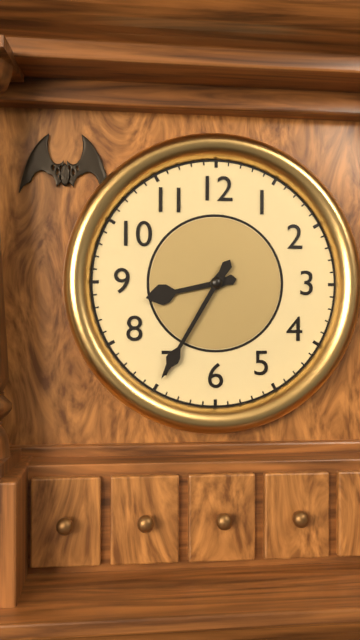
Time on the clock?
8:35
